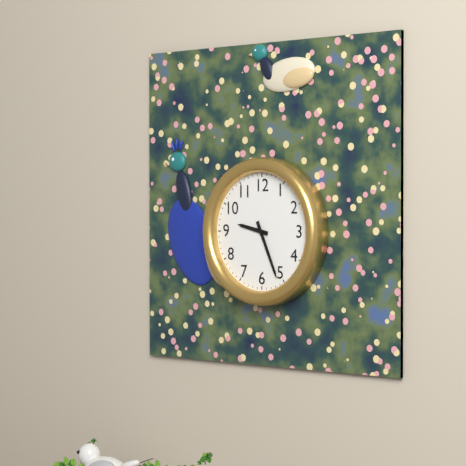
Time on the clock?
9:26
